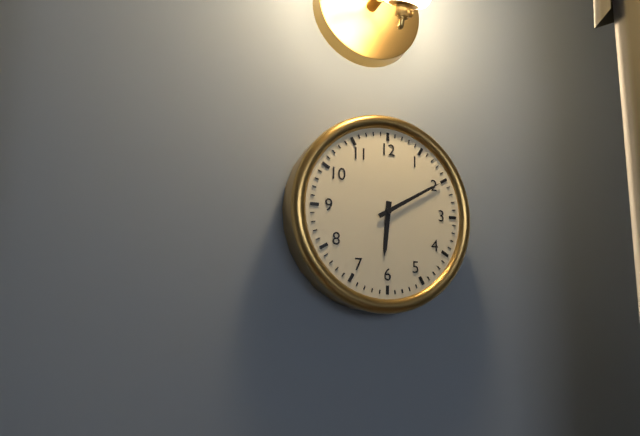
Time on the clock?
6:10
